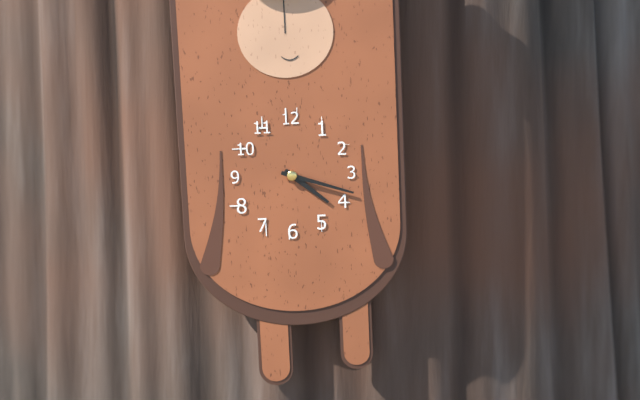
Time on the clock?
4:18
